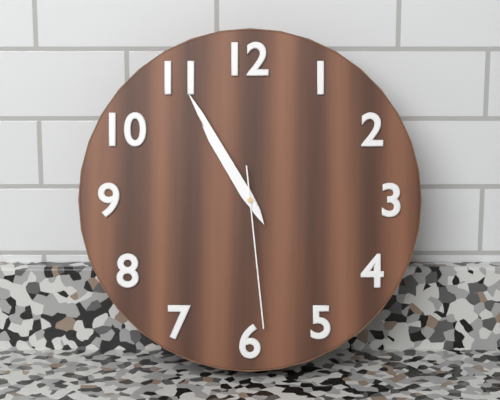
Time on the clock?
10:55:29
